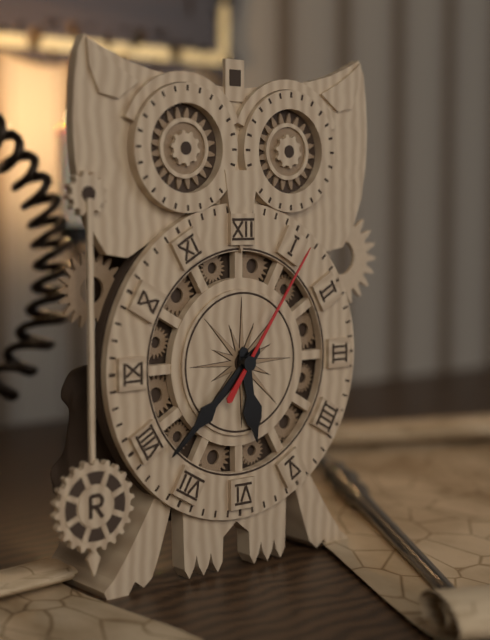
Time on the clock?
5:38:06
